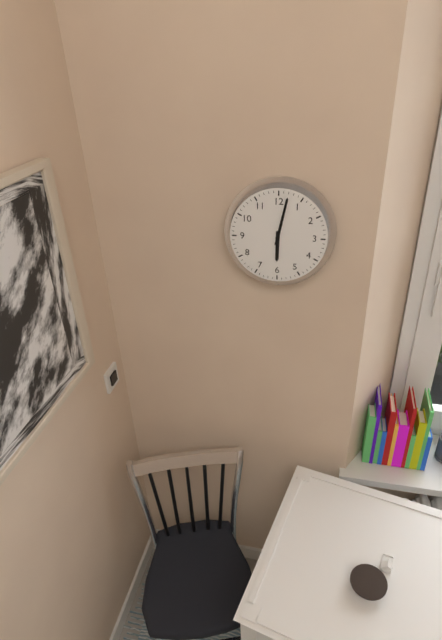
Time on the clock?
6:02
